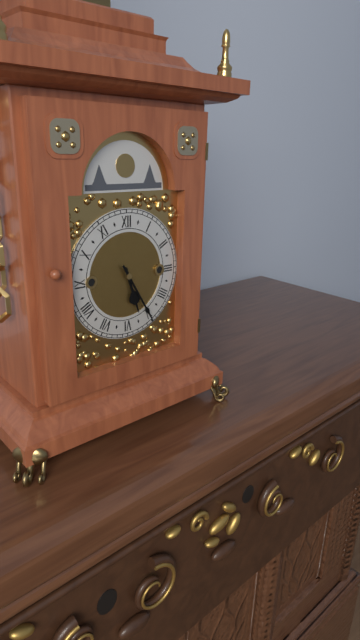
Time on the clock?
5:25
